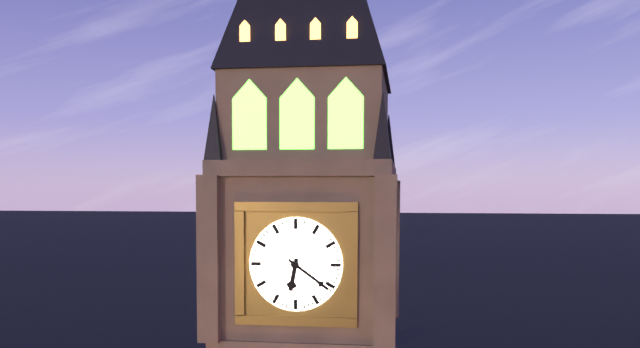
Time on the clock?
6:21
